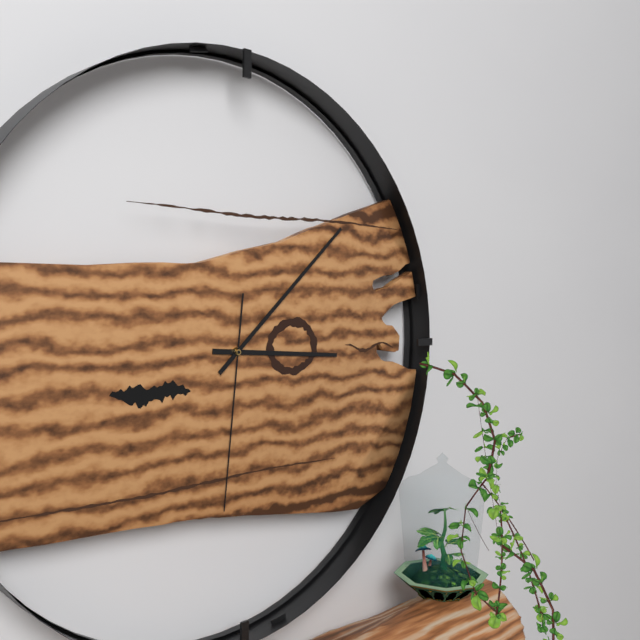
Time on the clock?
3:08:31
